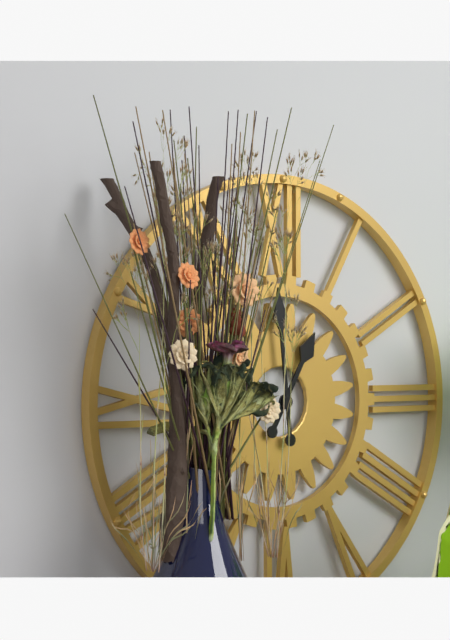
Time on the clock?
12:59
